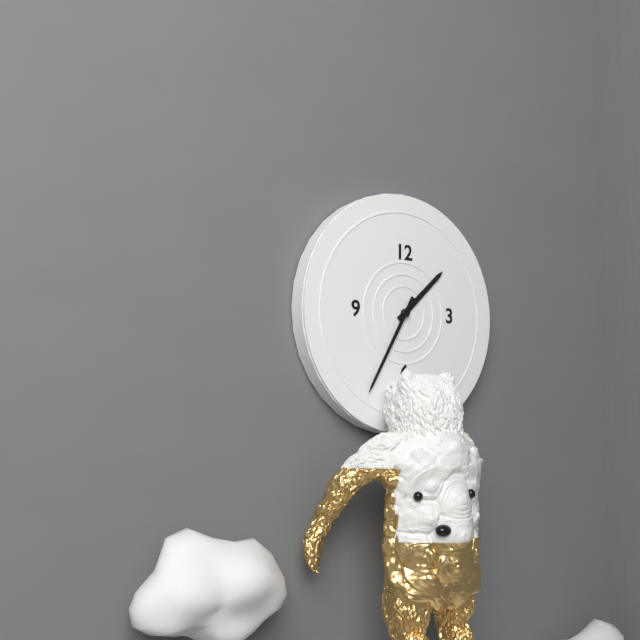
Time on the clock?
1:35
